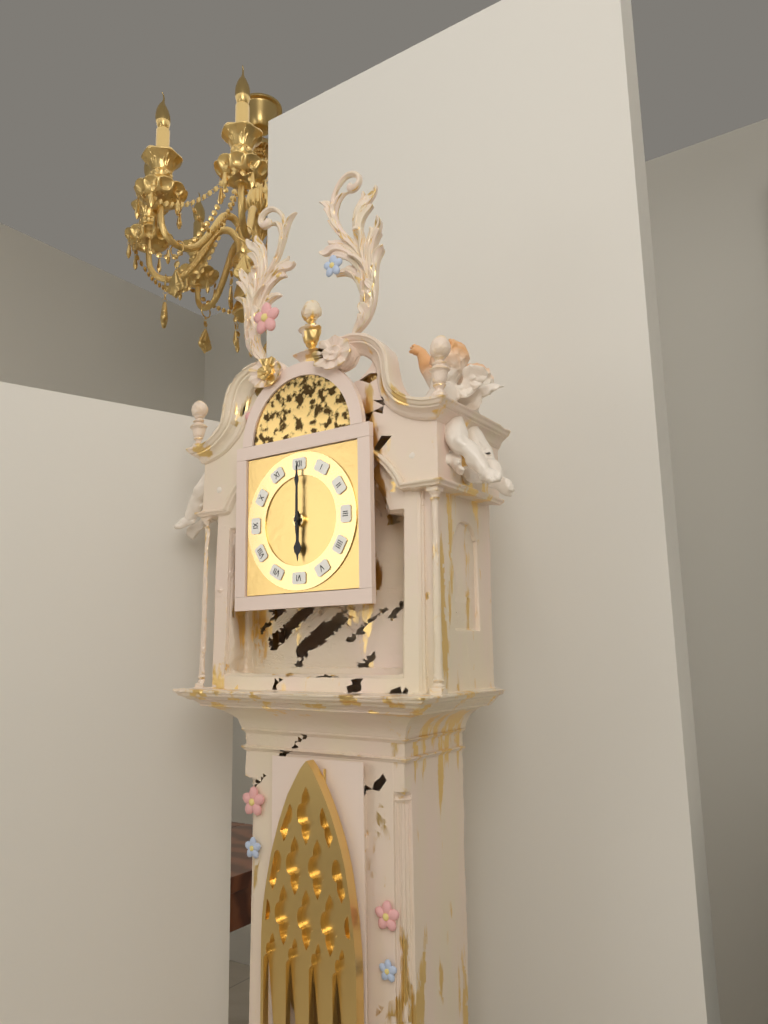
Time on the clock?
6:00
